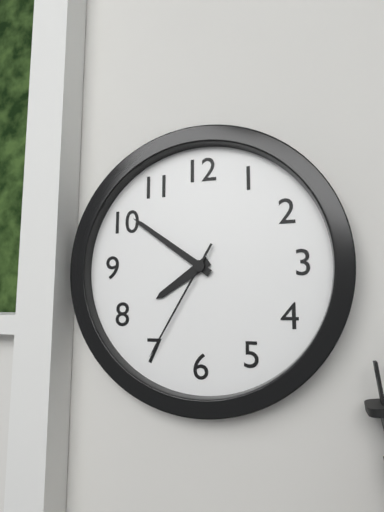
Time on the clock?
7:51:35
